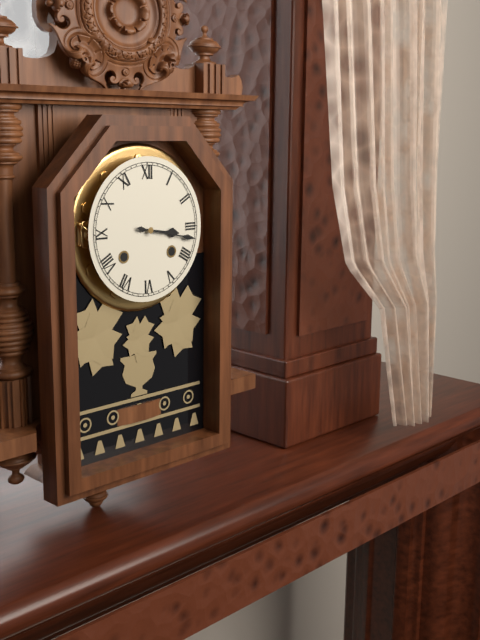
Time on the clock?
3:17
